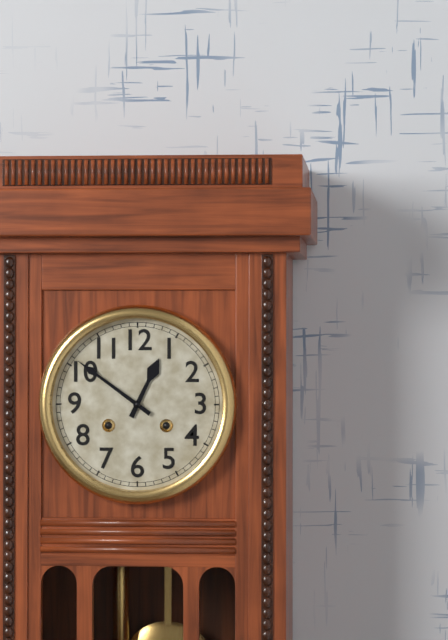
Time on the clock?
12:51
